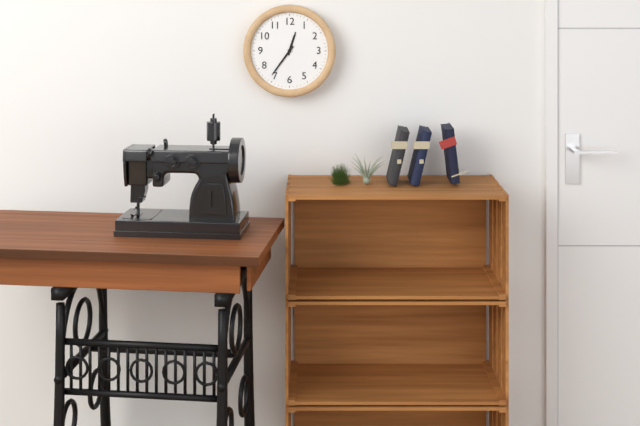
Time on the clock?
12:36
